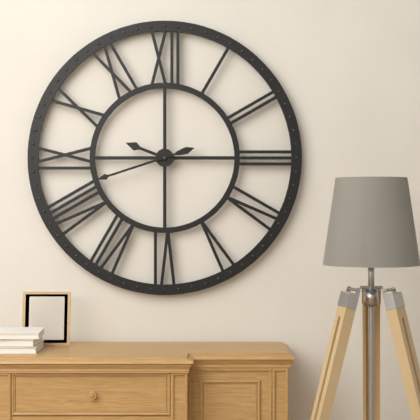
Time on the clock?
9:42
